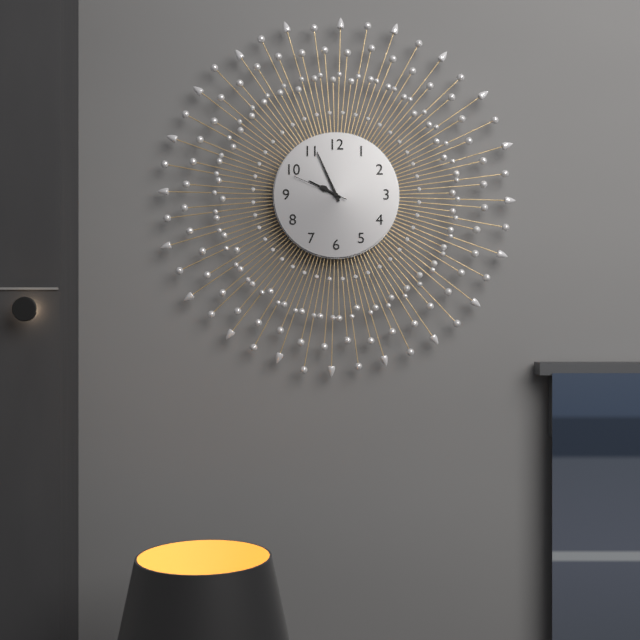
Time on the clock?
9:56:49
